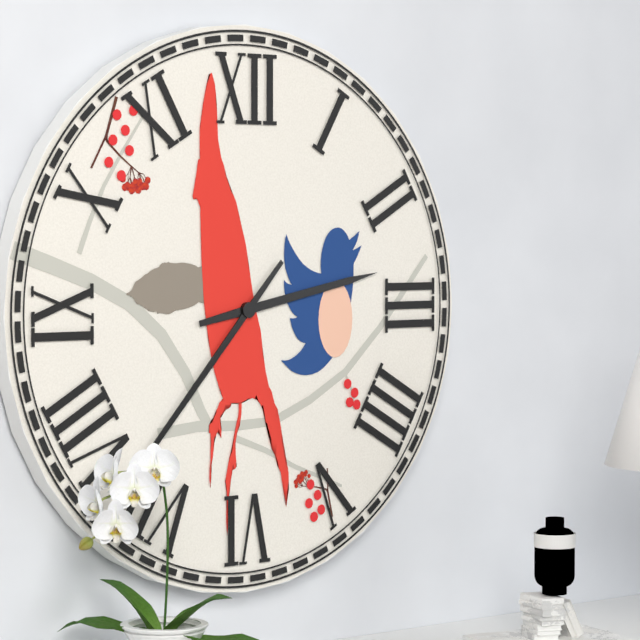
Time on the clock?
2:37
